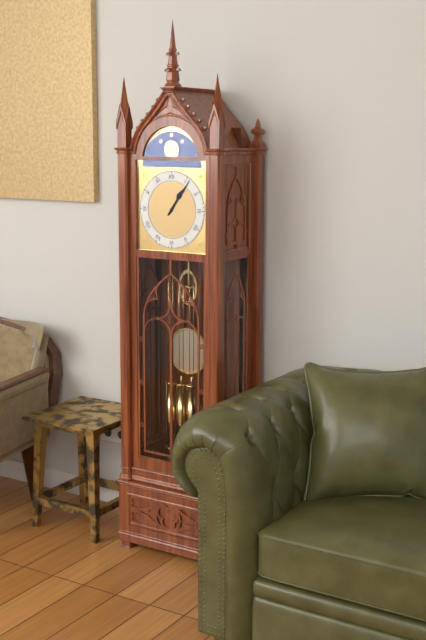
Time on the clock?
1:06
